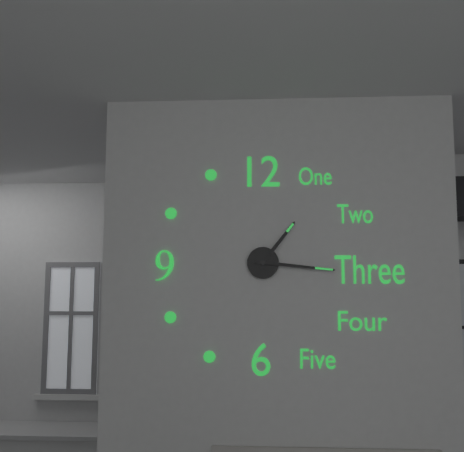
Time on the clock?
1:16
